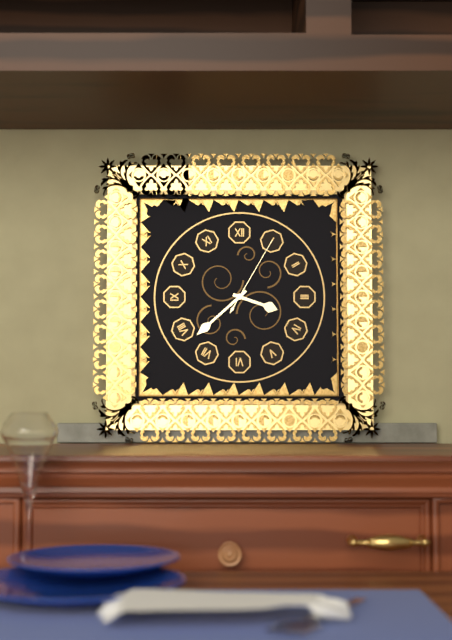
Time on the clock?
3:38:05
